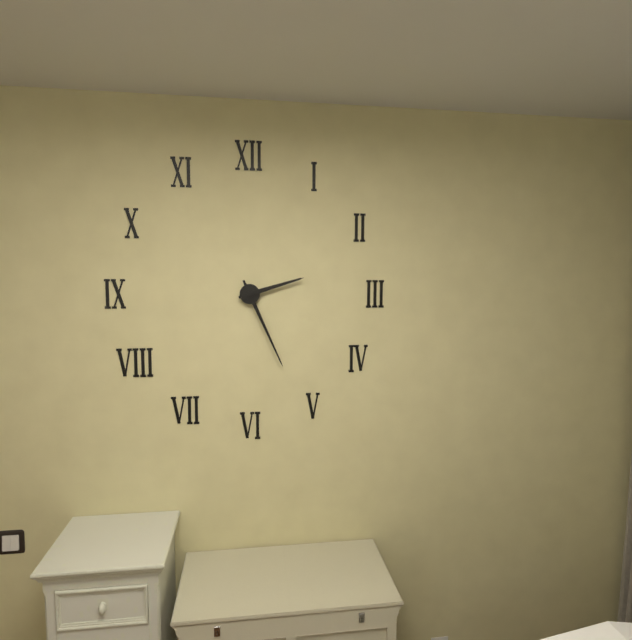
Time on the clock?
2:26
